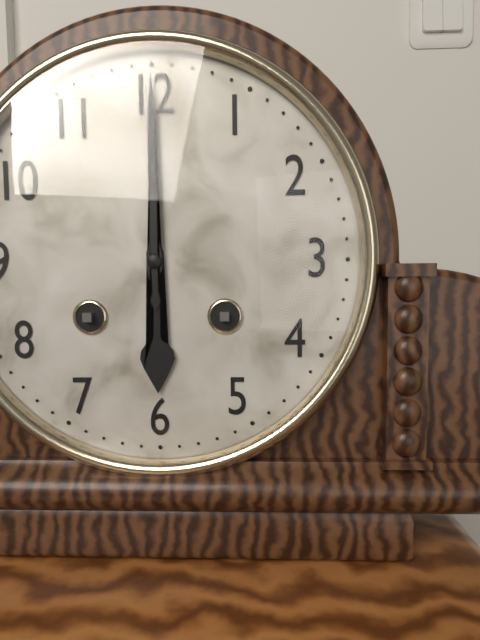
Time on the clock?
6:00
